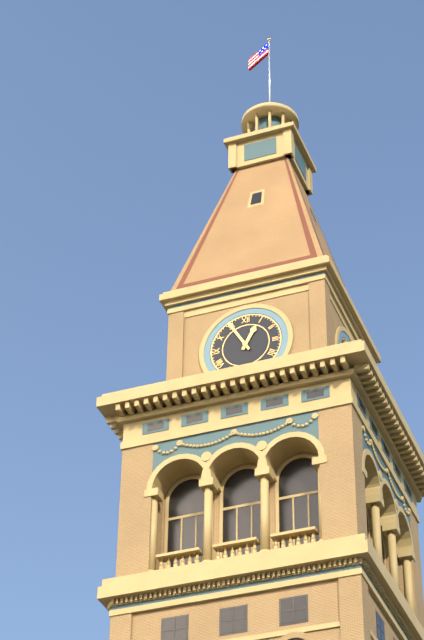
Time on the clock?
12:55
